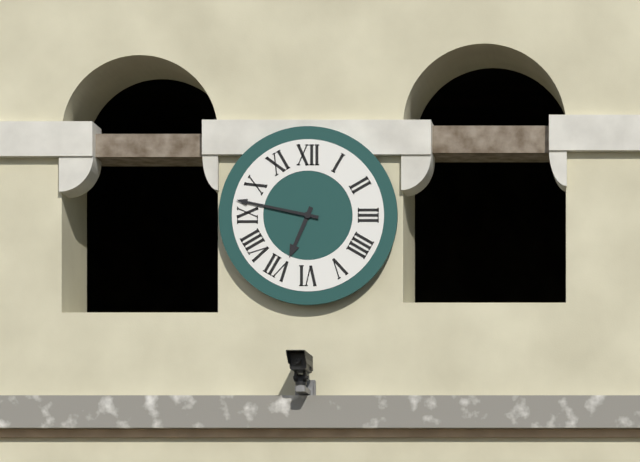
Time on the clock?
6:47
